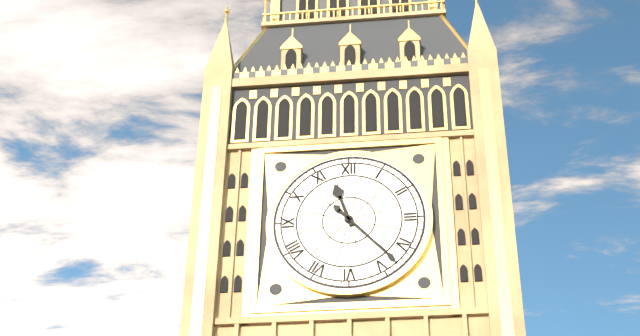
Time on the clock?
11:23
